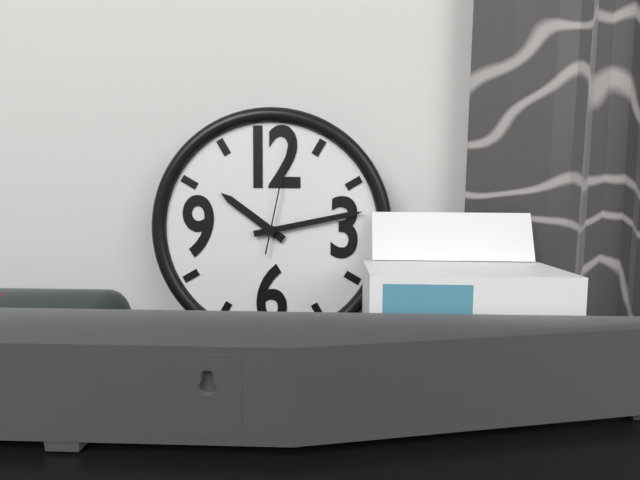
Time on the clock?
10:13:02
